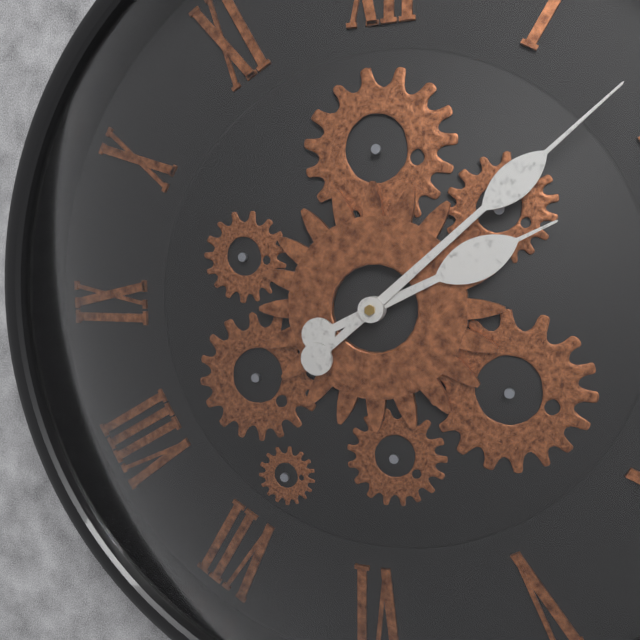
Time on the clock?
2:08
